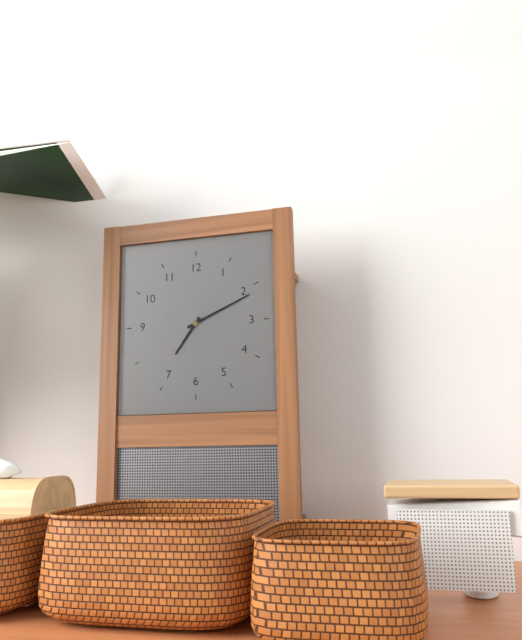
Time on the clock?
7:11
